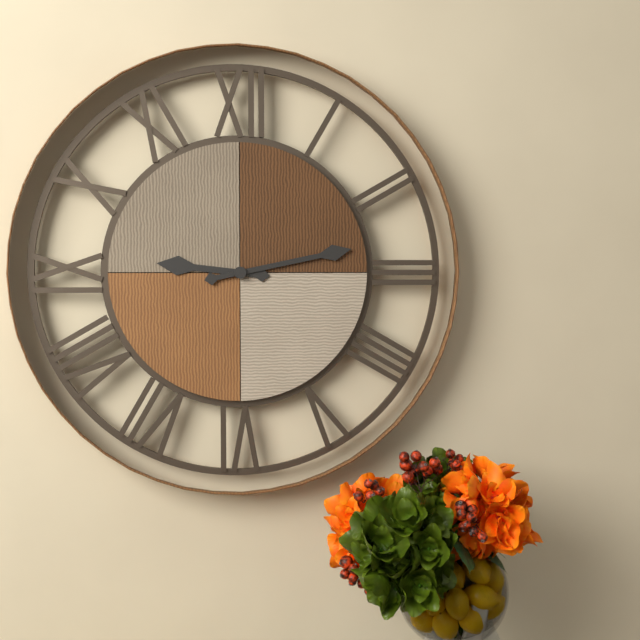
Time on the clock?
9:13
